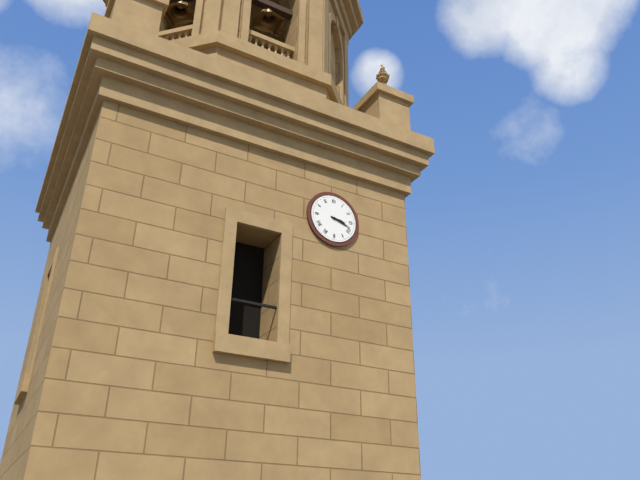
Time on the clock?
3:18
